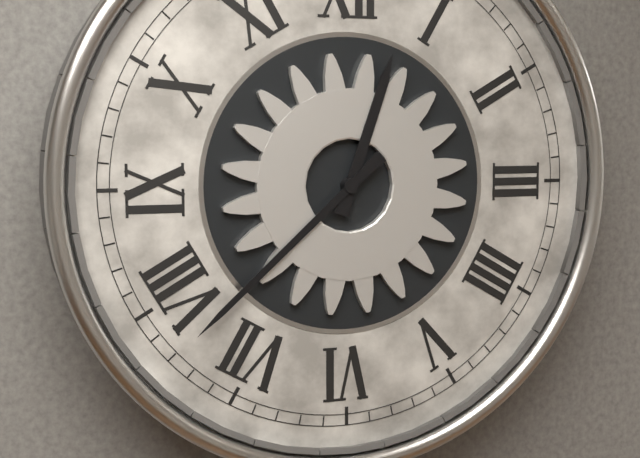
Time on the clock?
12:38
